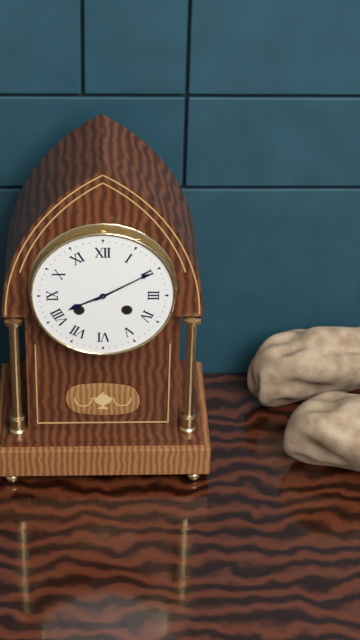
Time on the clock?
8:10
